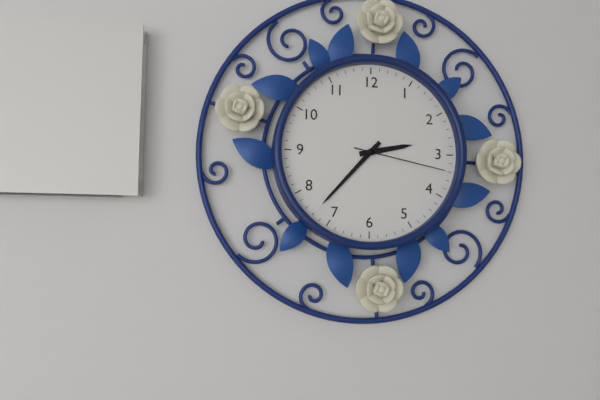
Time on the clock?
2:37:17
